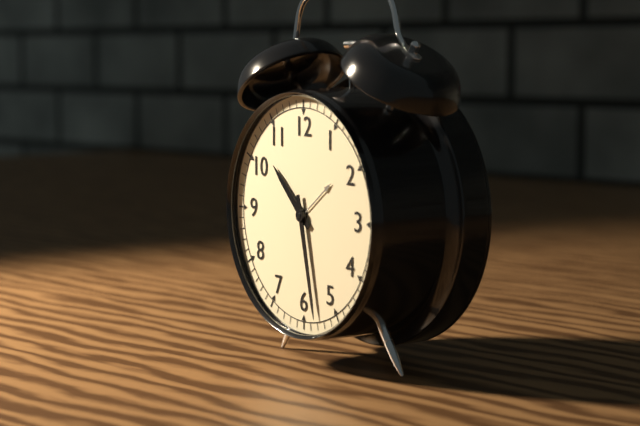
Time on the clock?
10:28
